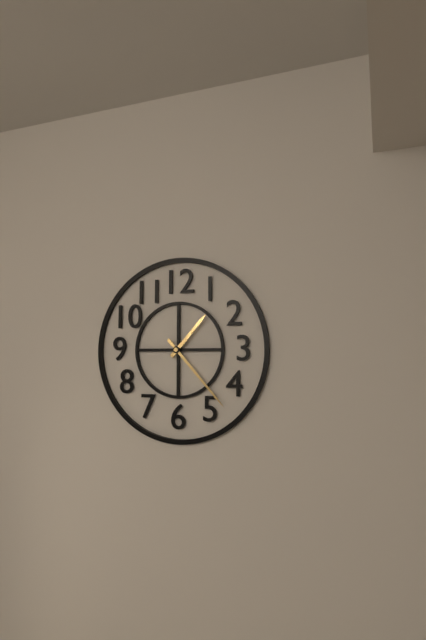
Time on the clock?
1:23
